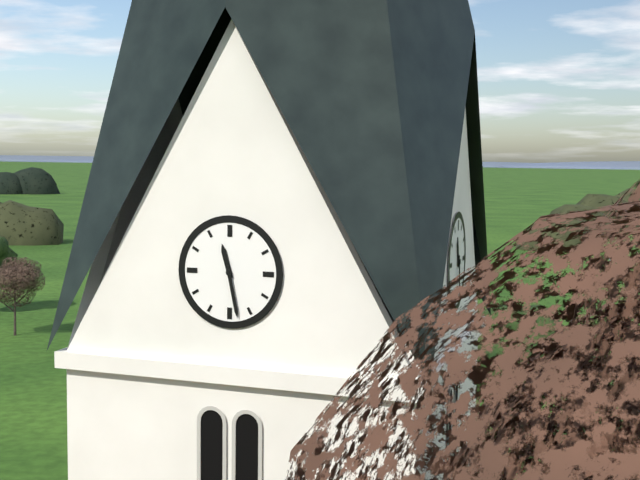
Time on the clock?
11:28
